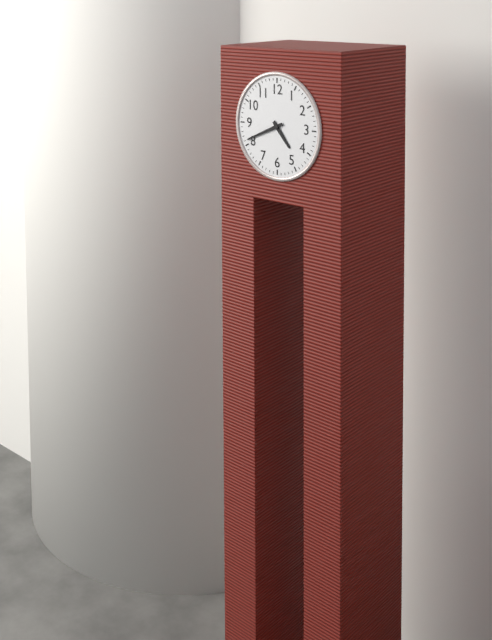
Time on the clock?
4:41
